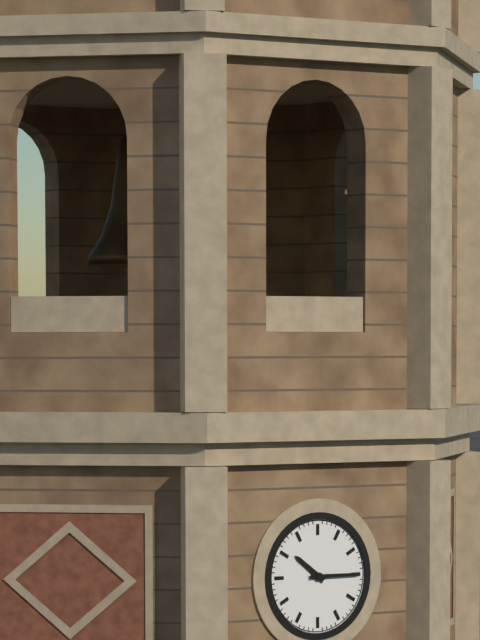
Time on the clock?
10:15
